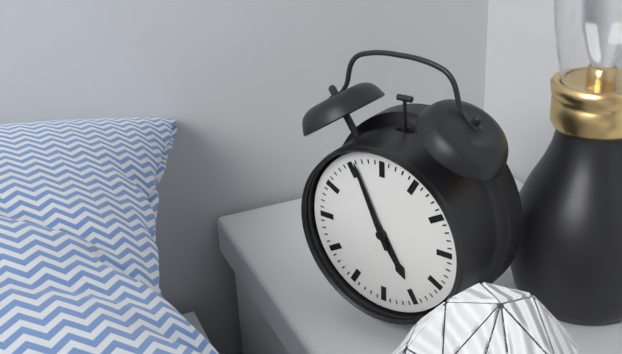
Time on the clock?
4:56
